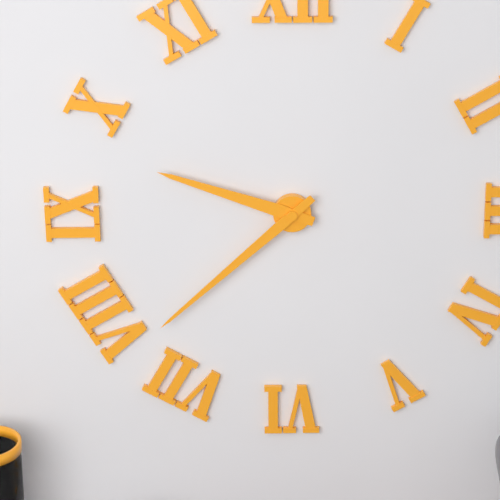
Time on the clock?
9:38
